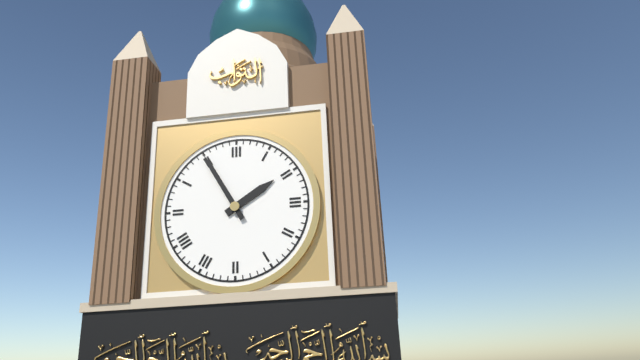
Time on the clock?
1:55
